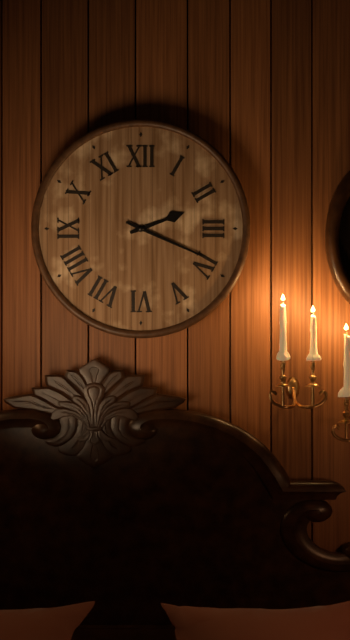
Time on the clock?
2:19
